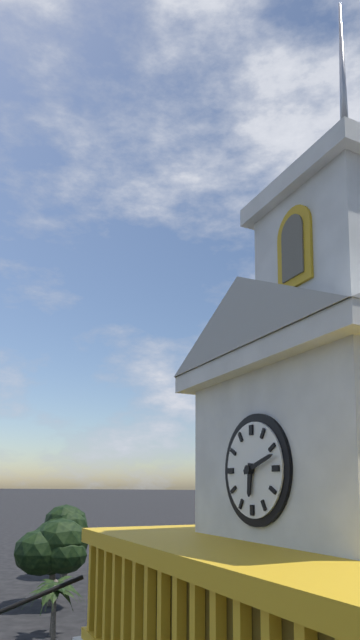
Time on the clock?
6:12
